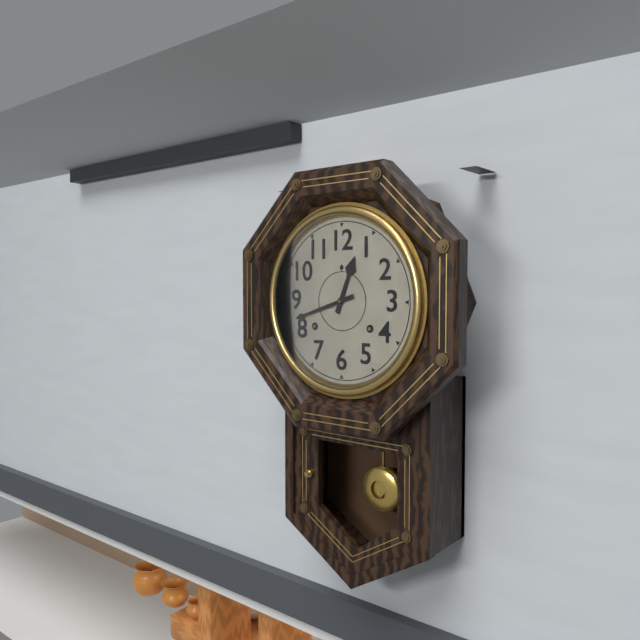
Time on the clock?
12:42
